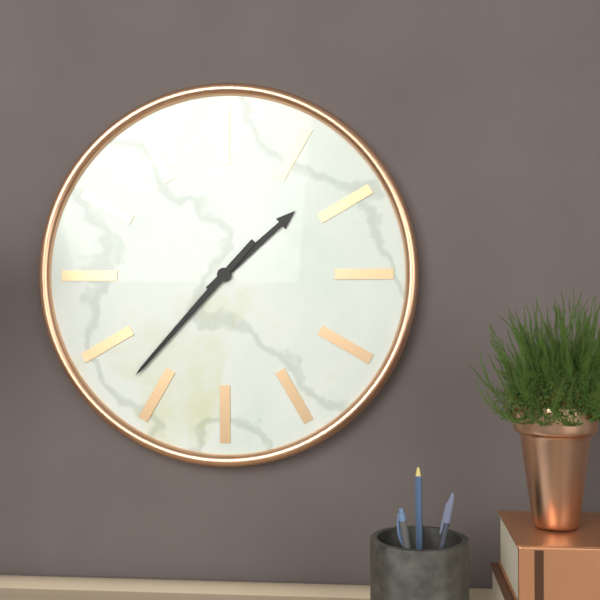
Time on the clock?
1:37
